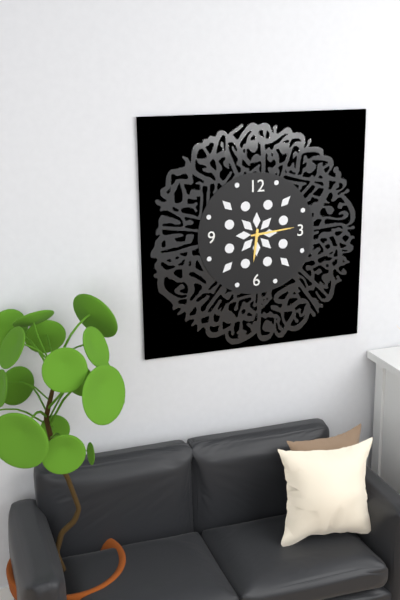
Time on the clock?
6:14
